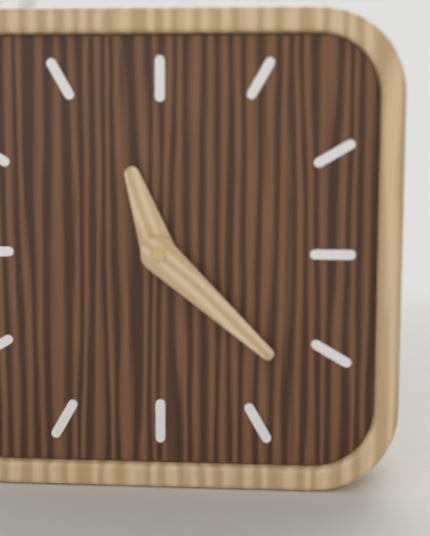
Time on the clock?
11:22
